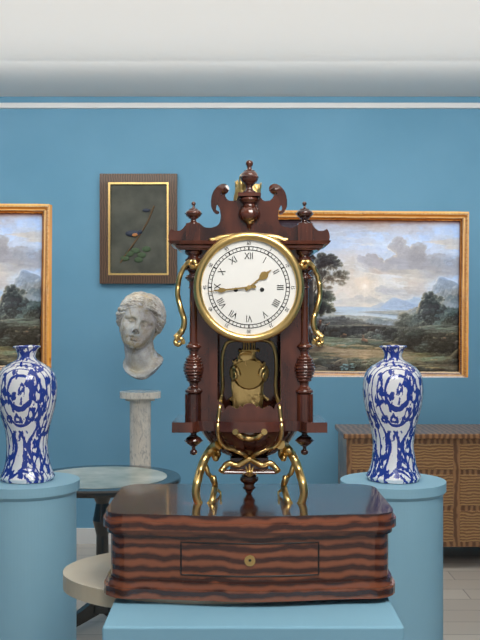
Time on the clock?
1:44
